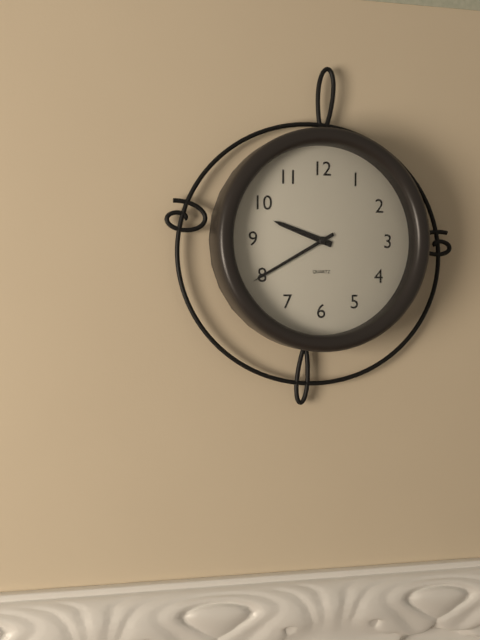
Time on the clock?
9:40
